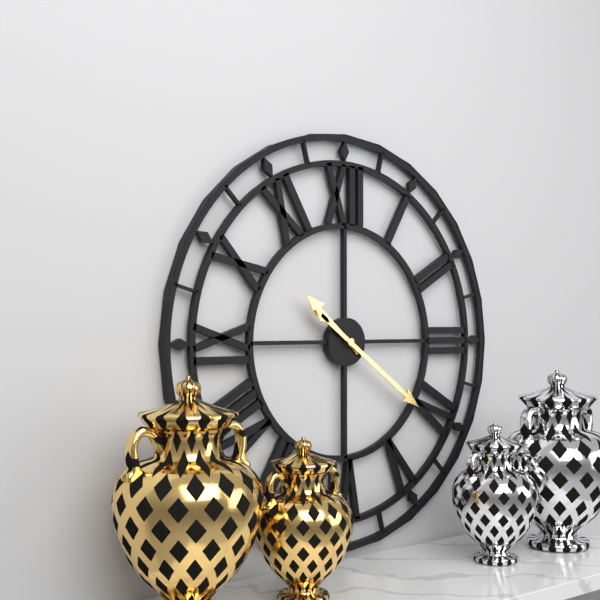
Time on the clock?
10:21
